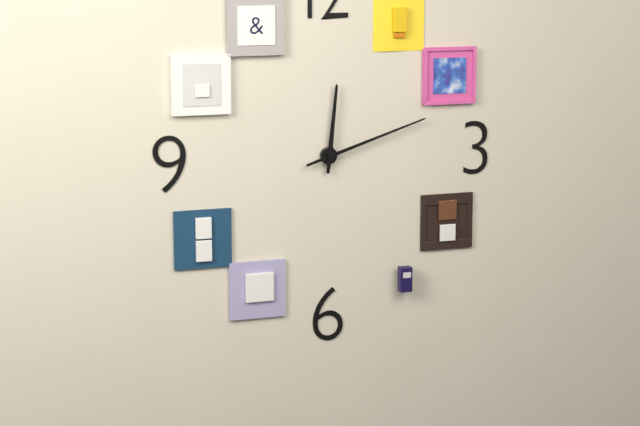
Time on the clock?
12:12
